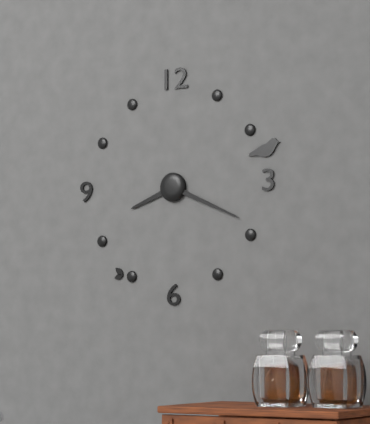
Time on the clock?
8:19
